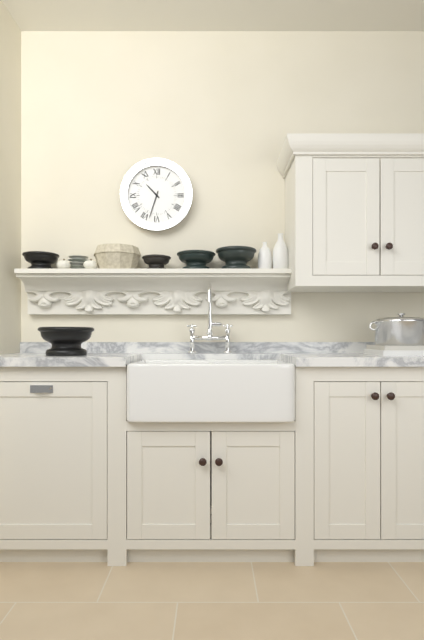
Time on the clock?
10:33
